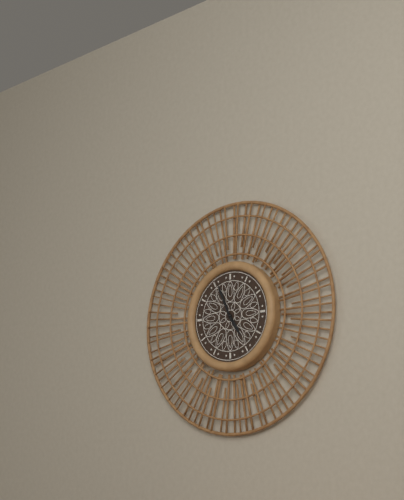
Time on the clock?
4:56
